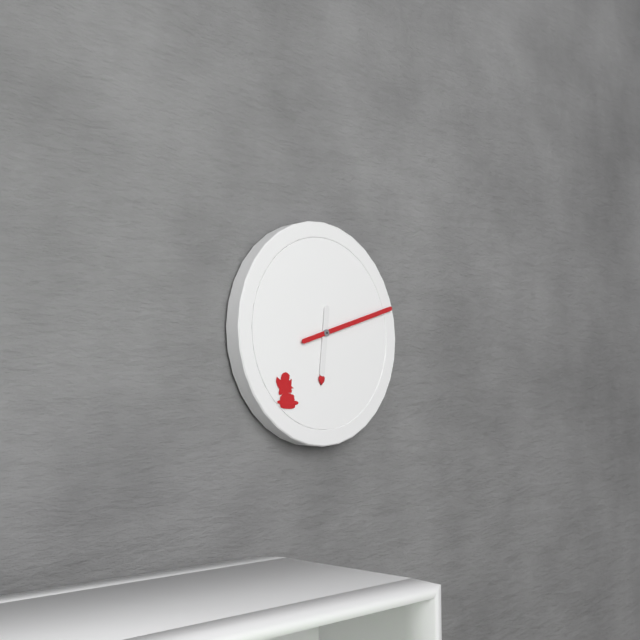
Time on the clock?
6:12
